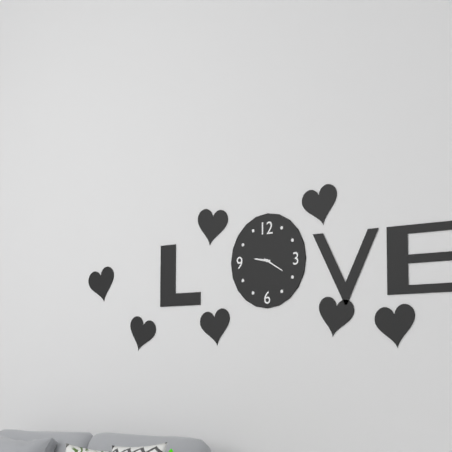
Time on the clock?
9:20
